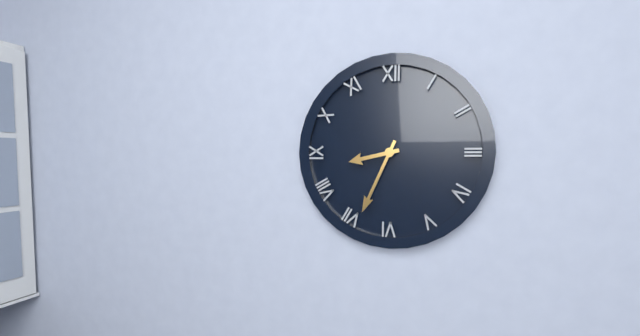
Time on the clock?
8:34
